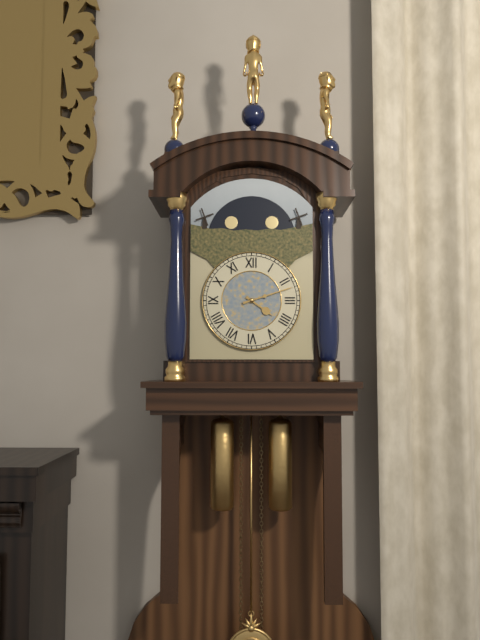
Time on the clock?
4:12
